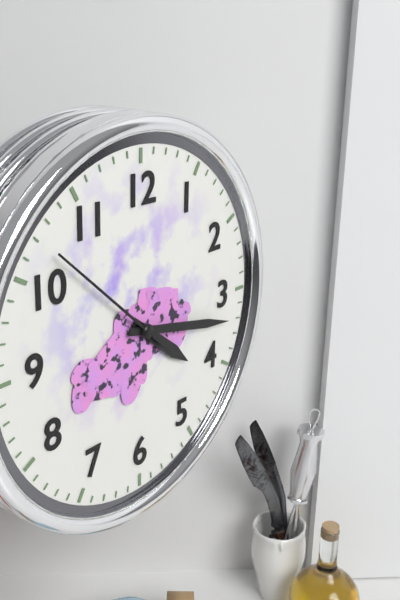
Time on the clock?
4:17:52
